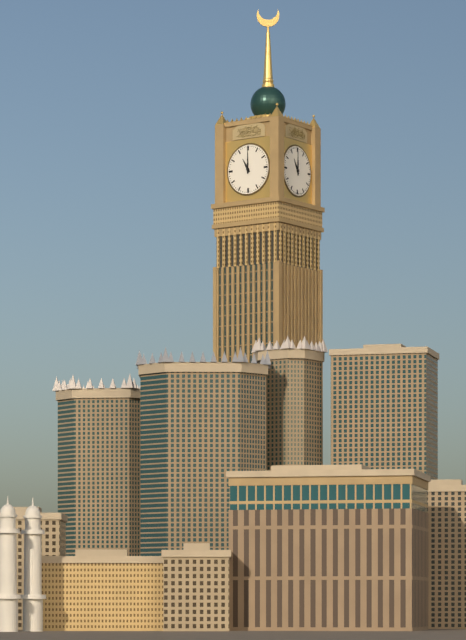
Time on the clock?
11:00
